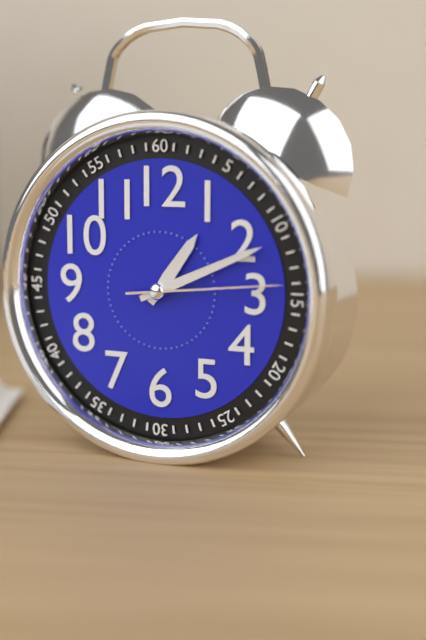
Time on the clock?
1:11:14
